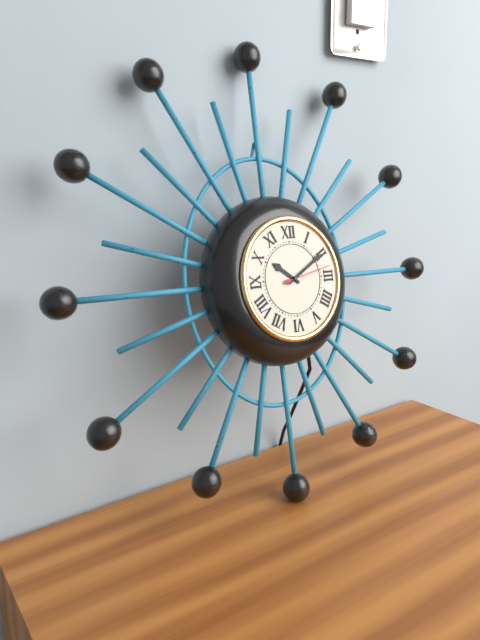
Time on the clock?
10:10
